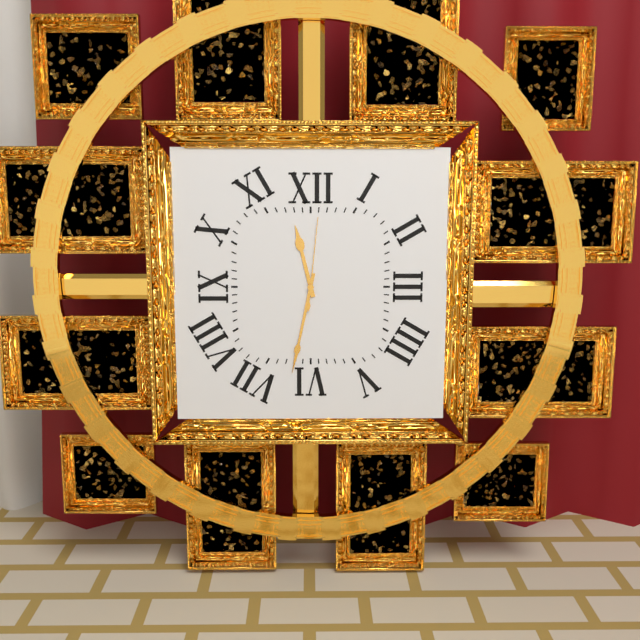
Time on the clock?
11:32:01
